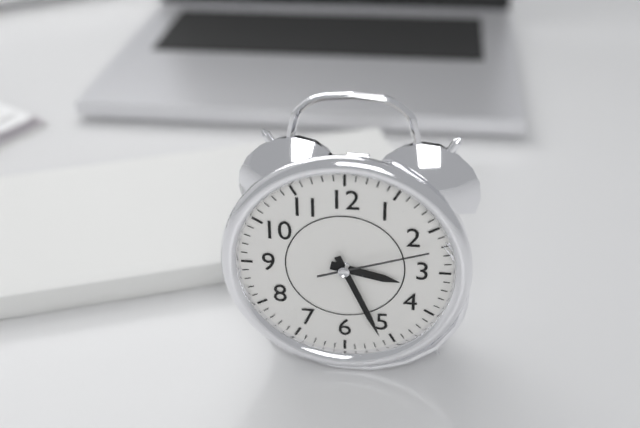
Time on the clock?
3:26:12
